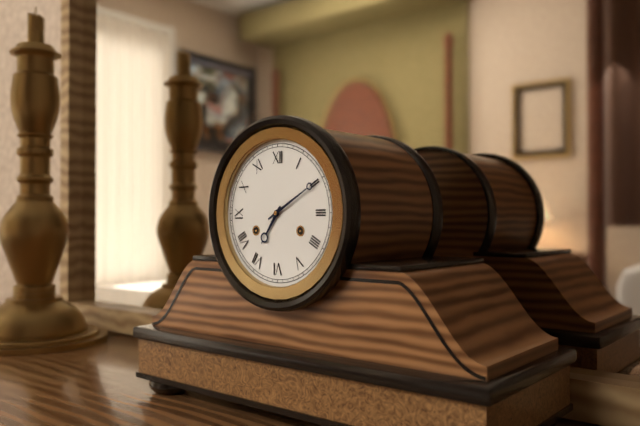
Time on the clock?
7:10
